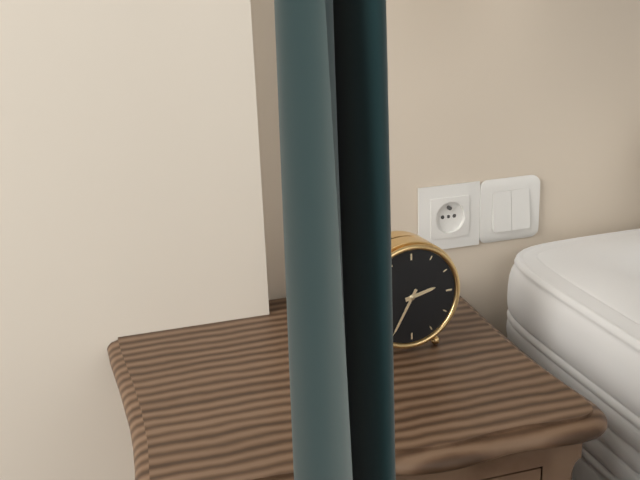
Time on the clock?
2:35
